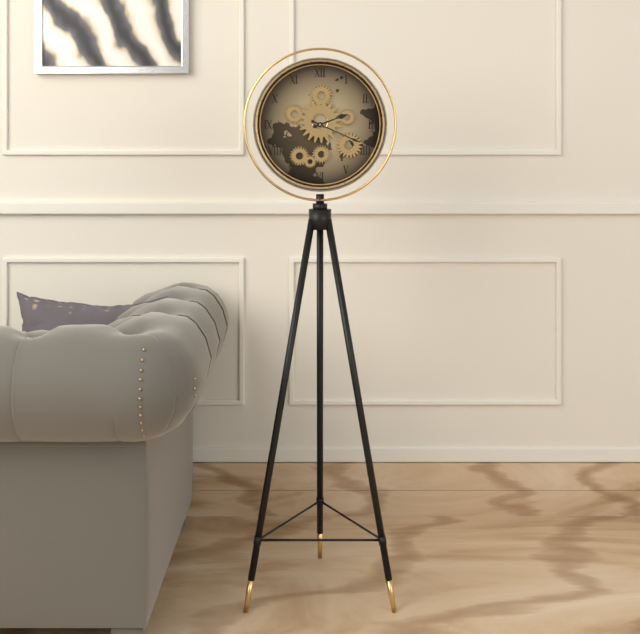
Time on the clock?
2:19
